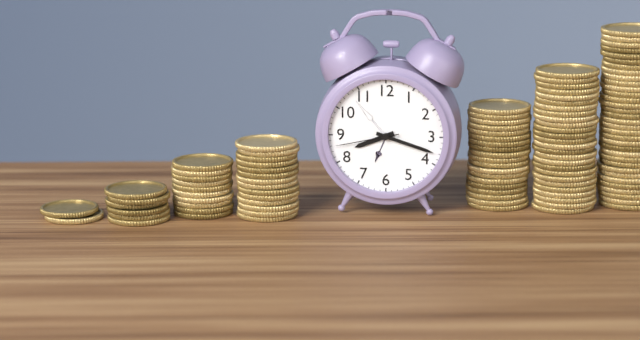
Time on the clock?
8:18:43
